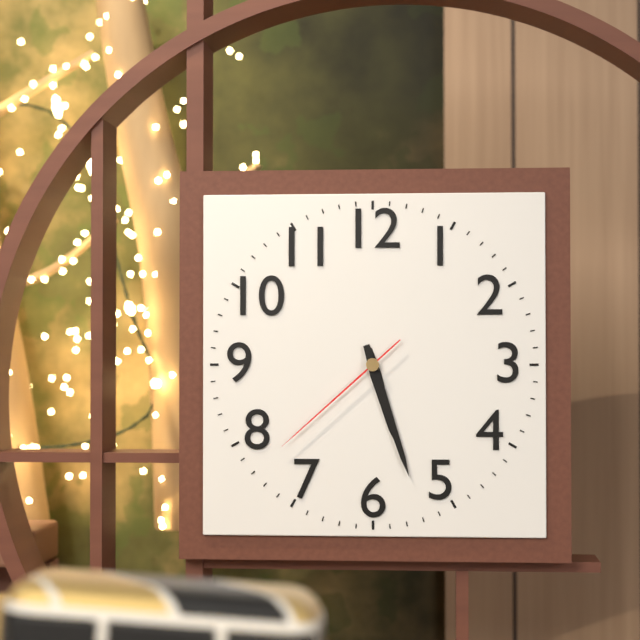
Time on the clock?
5:27:38
